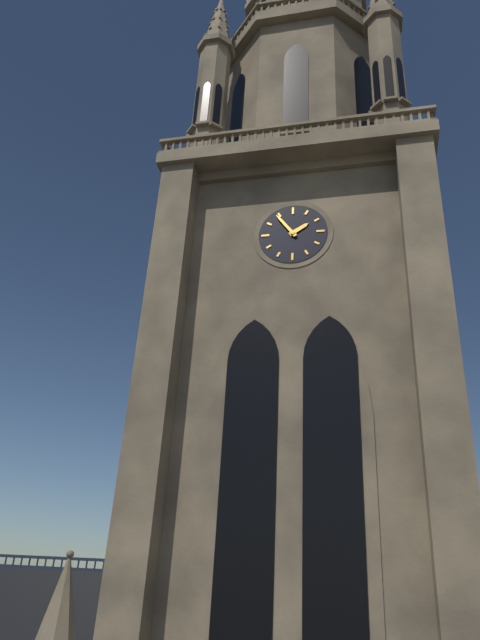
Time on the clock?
1:54
